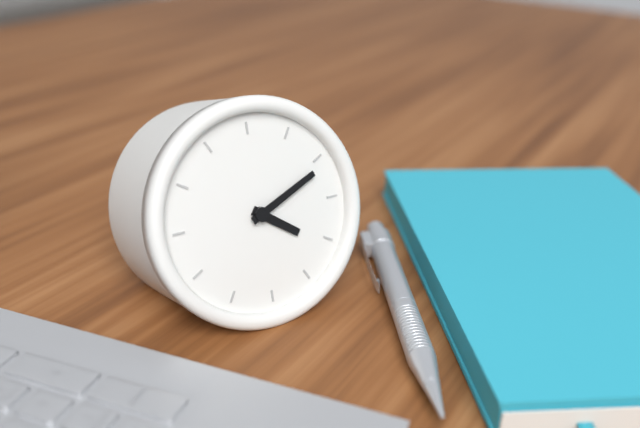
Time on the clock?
4:11
